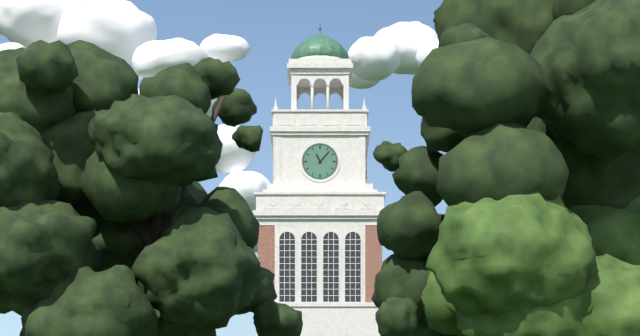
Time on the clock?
11:07
